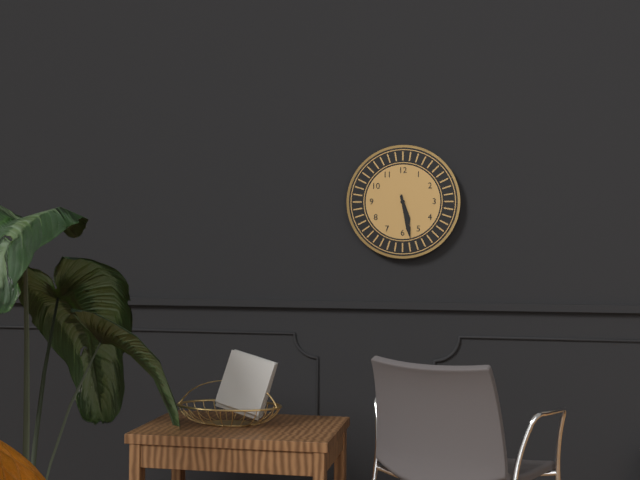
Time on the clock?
5:28
